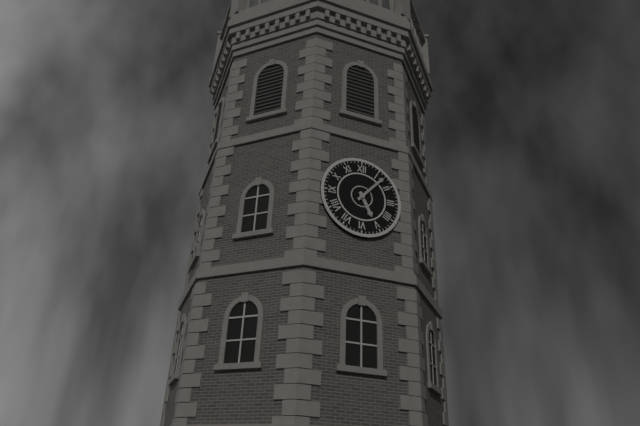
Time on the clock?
5:07
